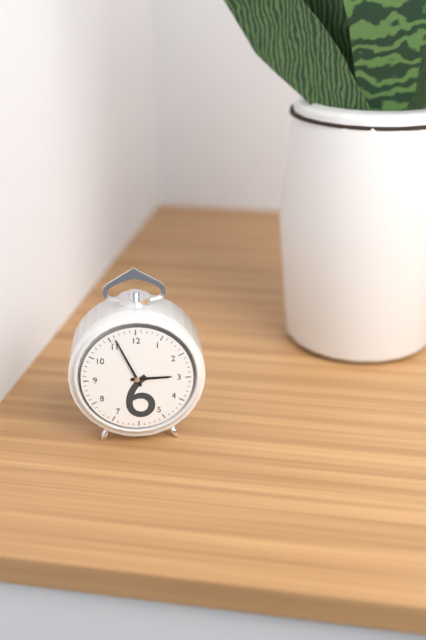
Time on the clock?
2:56
